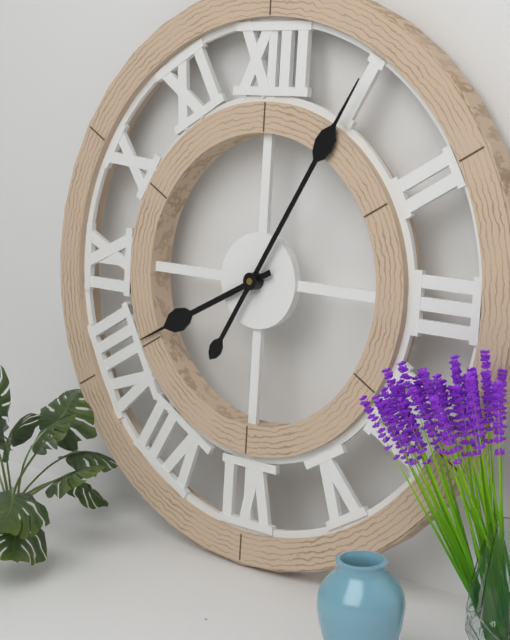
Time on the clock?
8:05
